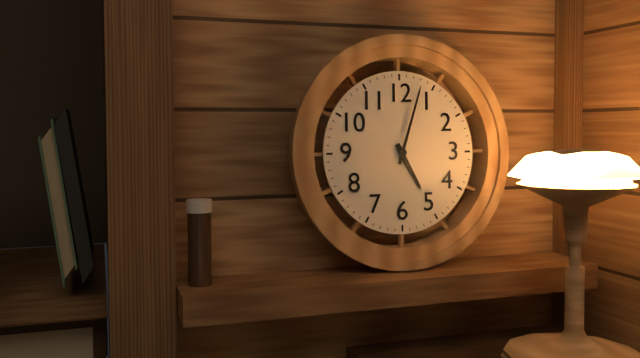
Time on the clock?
5:03
